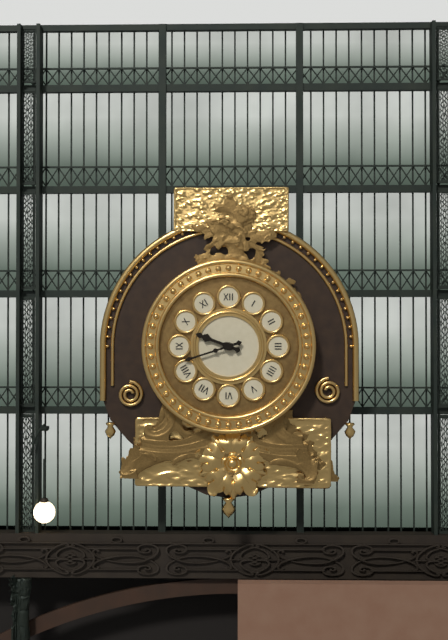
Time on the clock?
9:42
